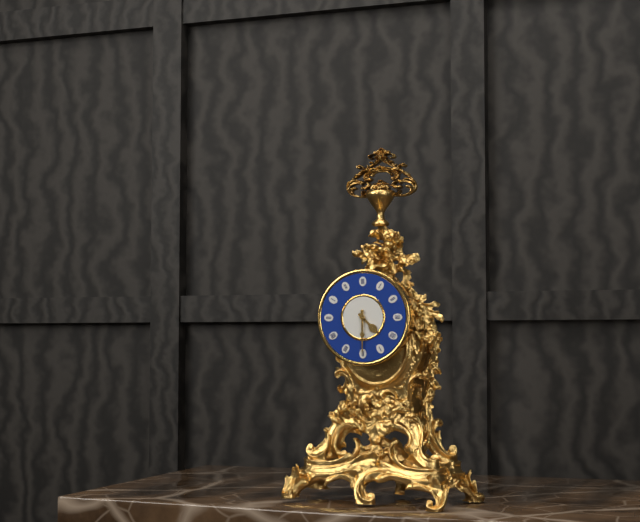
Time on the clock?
4:30
